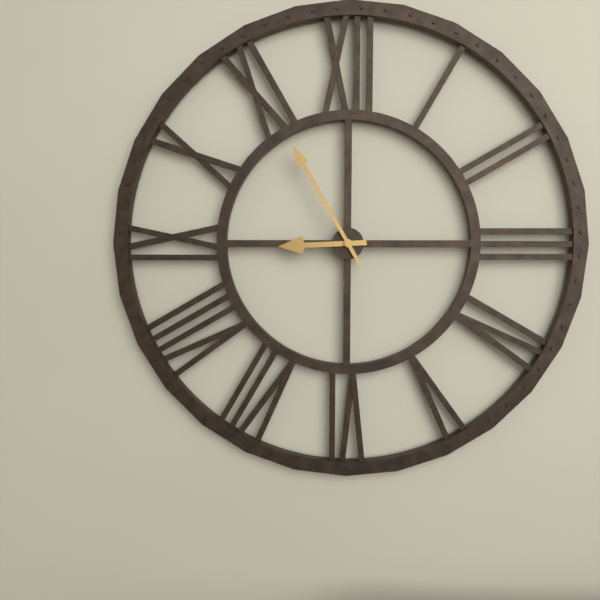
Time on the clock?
8:55
